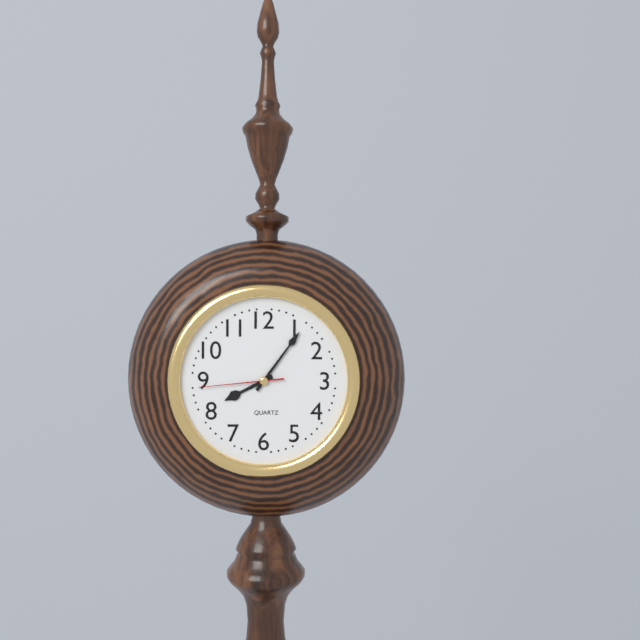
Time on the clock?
8:06:44
